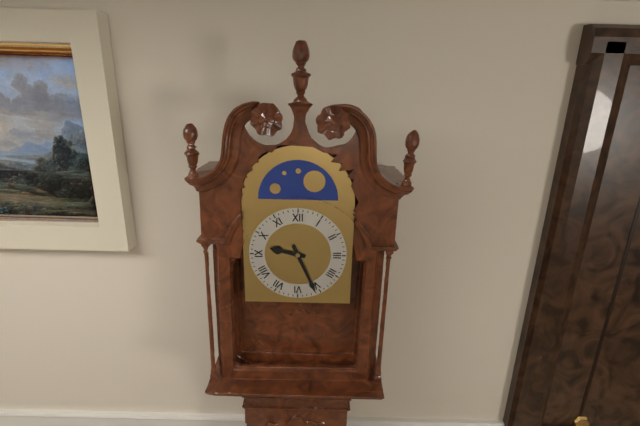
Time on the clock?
9:26
